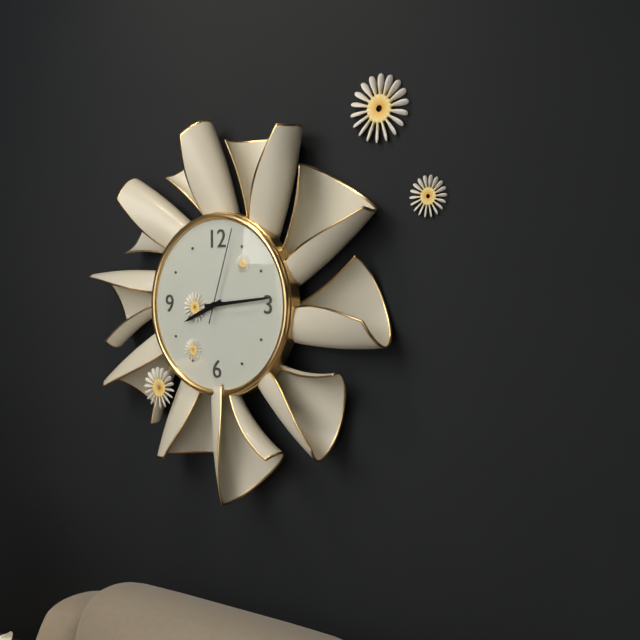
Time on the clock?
8:14:03
